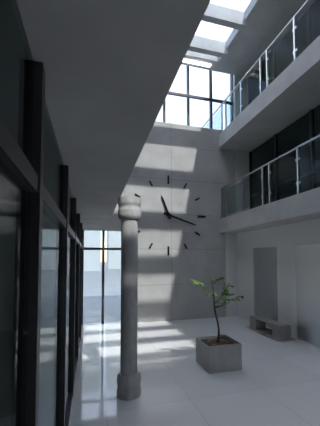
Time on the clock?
11:18
